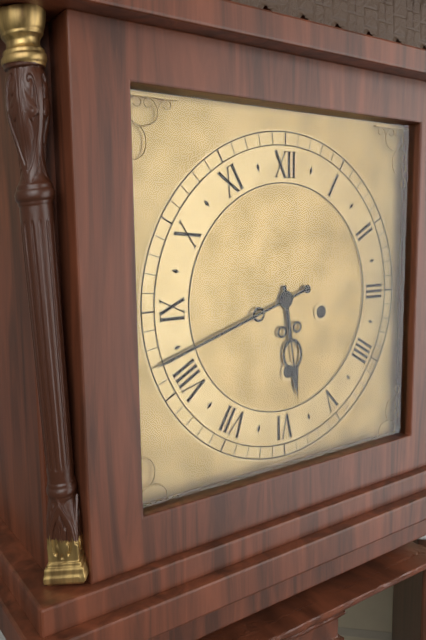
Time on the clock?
5:42
